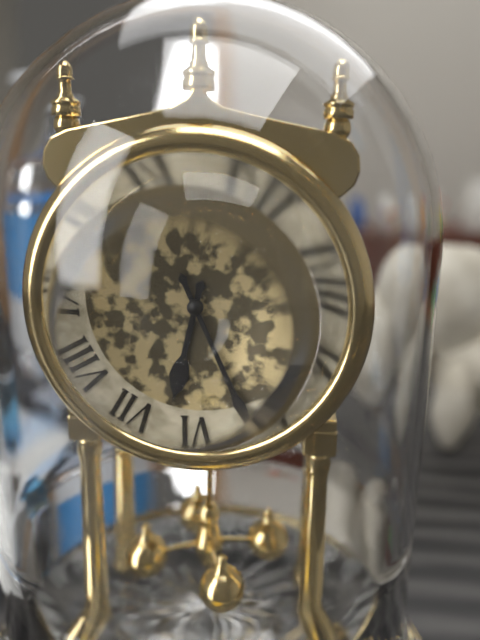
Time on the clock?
6:26
